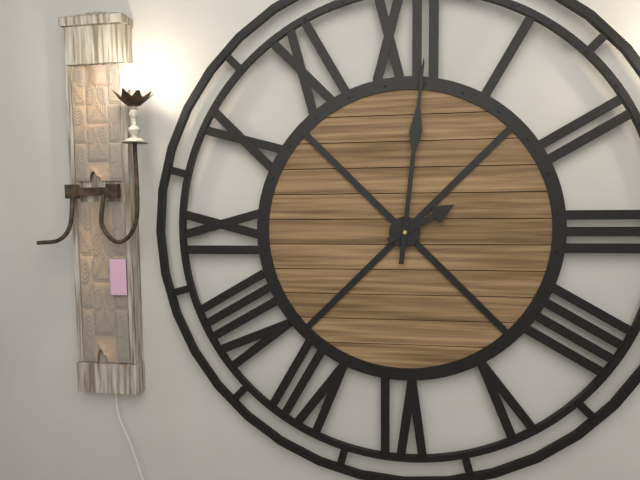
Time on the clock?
2:01
